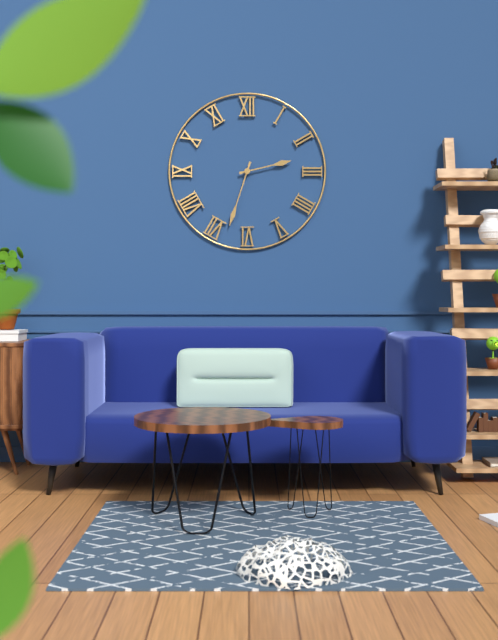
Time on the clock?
2:33
